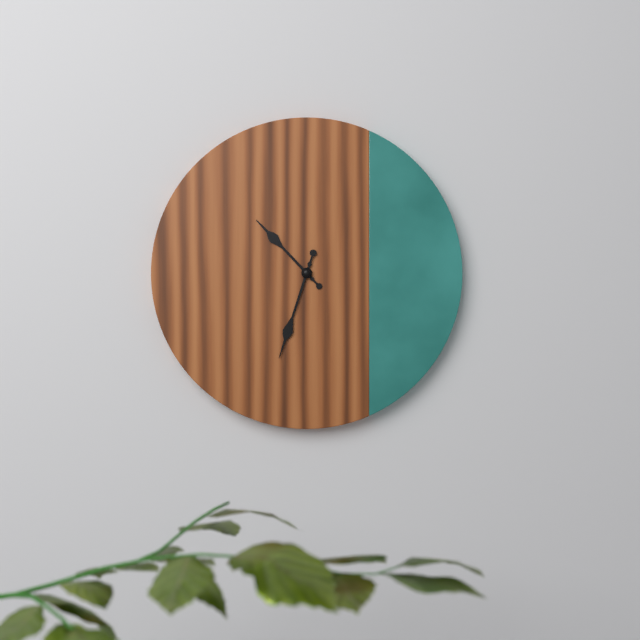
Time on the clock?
10:33
